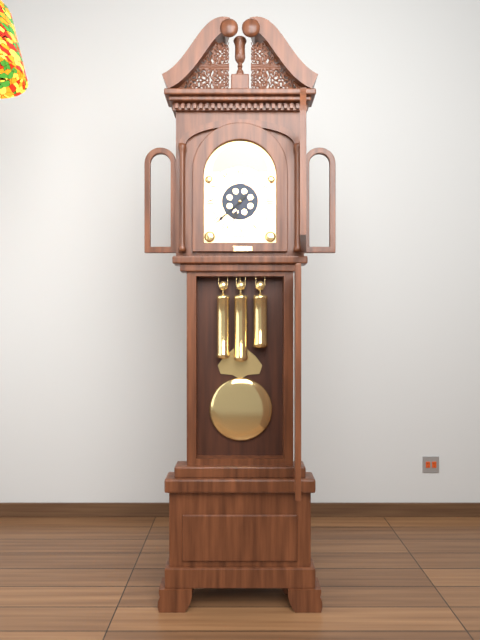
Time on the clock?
6:38
